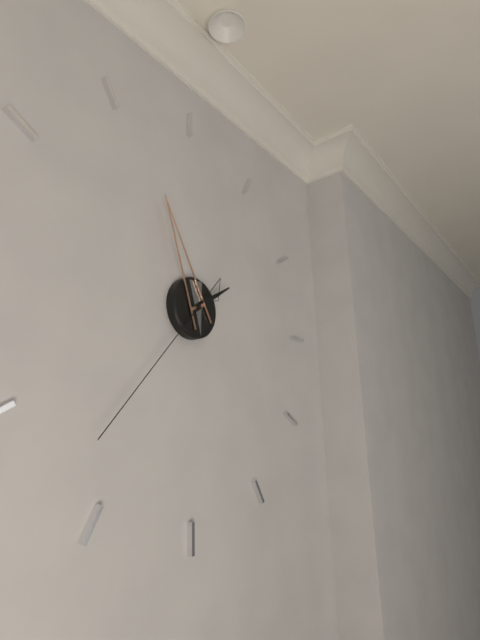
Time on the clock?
1:56:37
